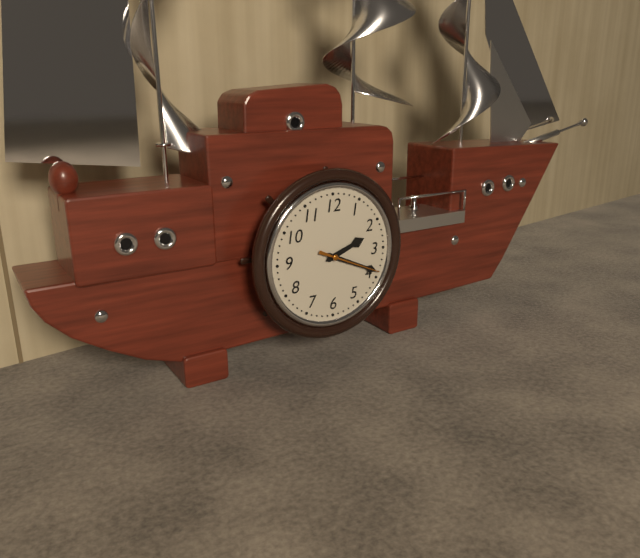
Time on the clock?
2:19:19
